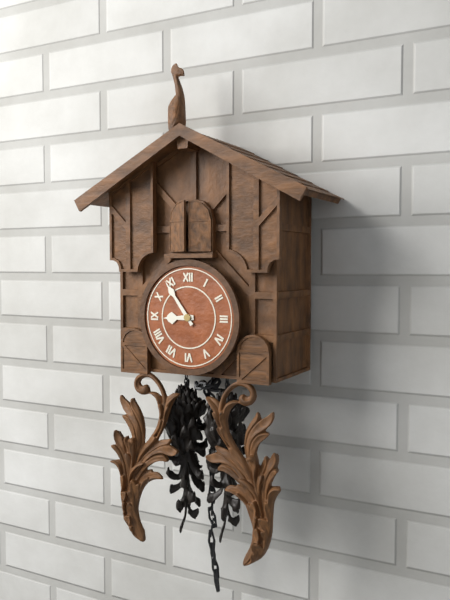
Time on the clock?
8:54
